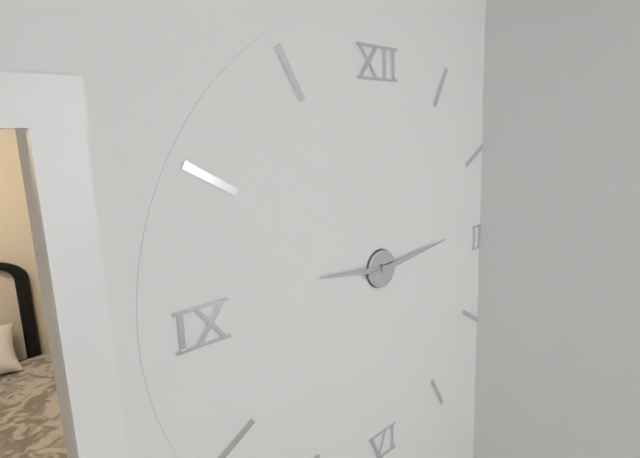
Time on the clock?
9:14
